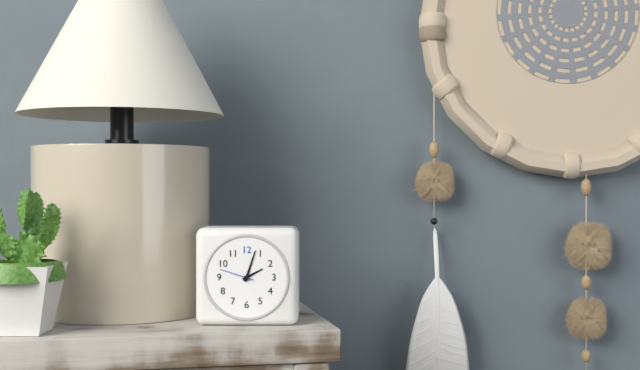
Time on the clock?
2:03
